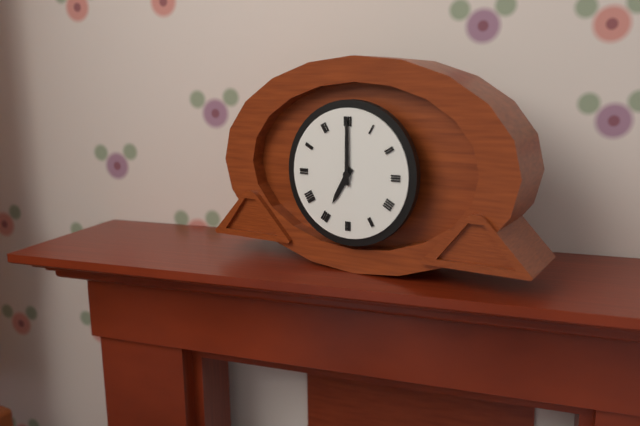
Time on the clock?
7:00
